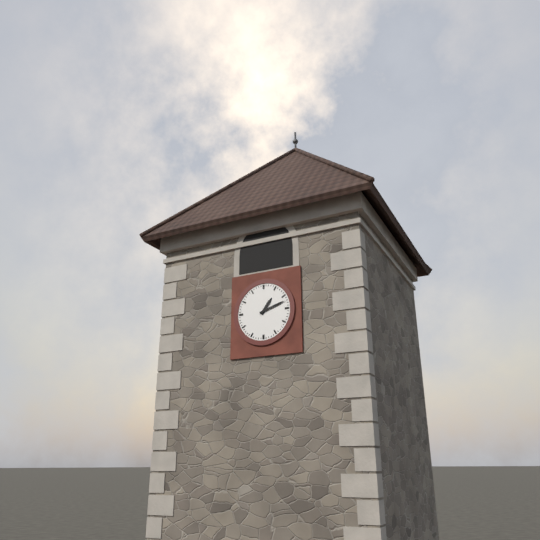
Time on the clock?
1:12
